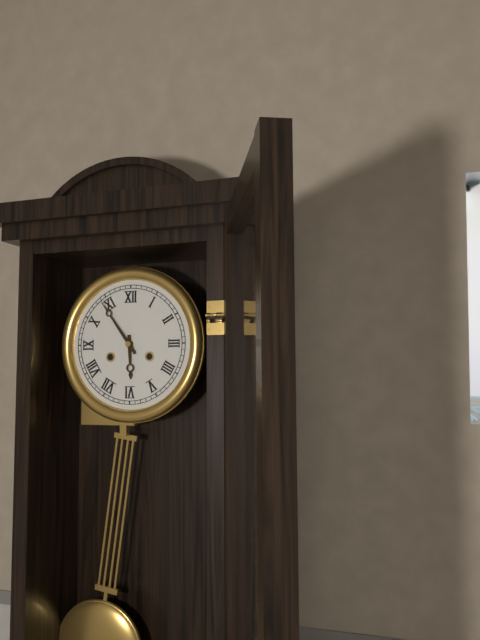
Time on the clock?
5:54
